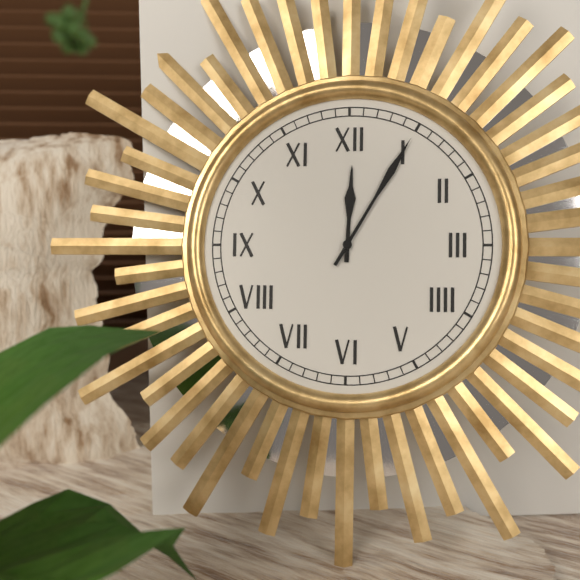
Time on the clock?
12:05
